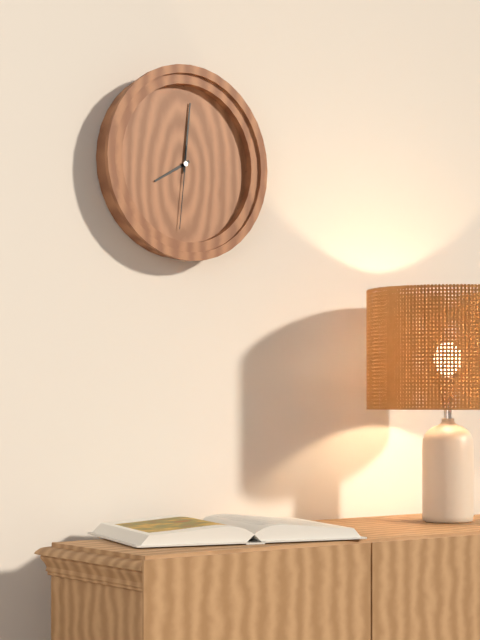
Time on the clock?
8:01:31
